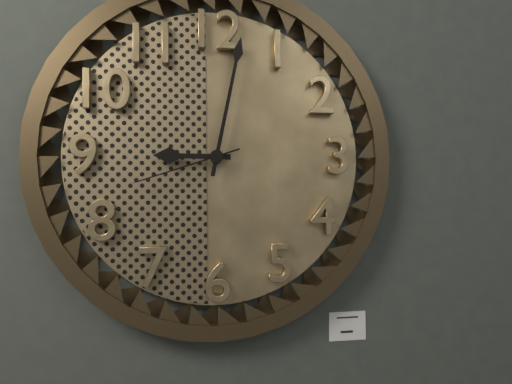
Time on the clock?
9:02:42
